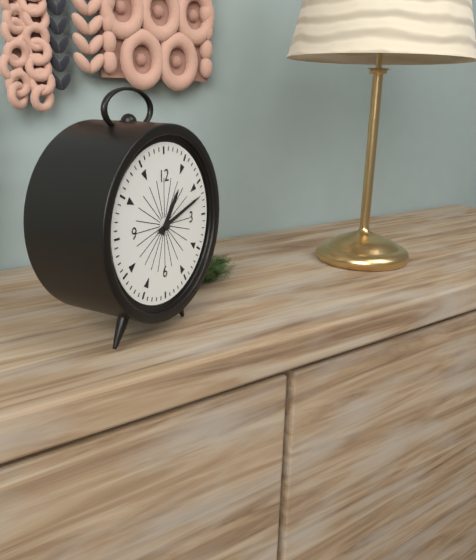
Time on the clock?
1:12
